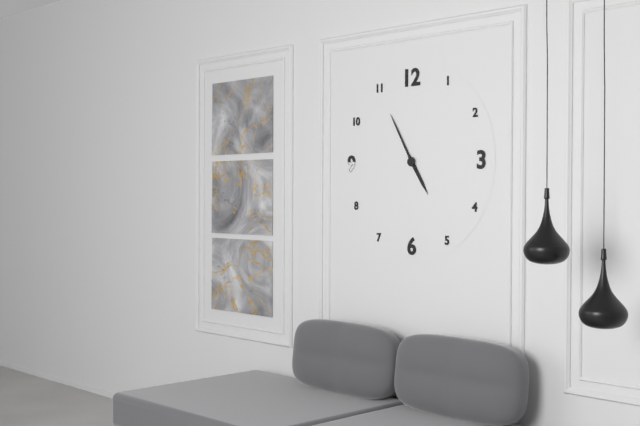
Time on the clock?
4:55
